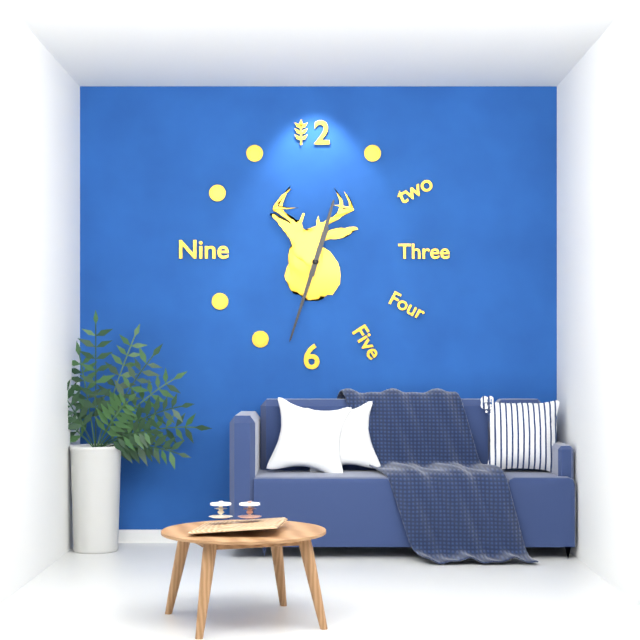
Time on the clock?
12:33
